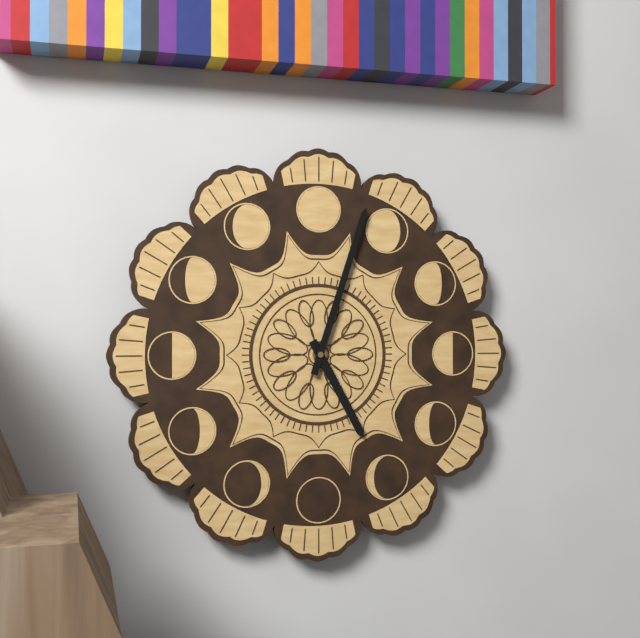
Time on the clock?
5:03
